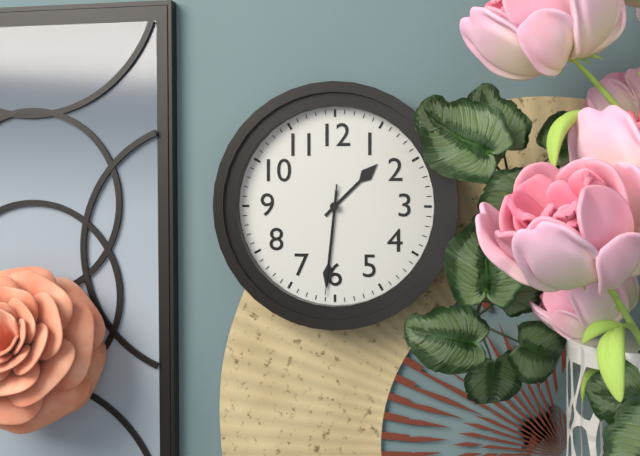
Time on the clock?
1:31:31
